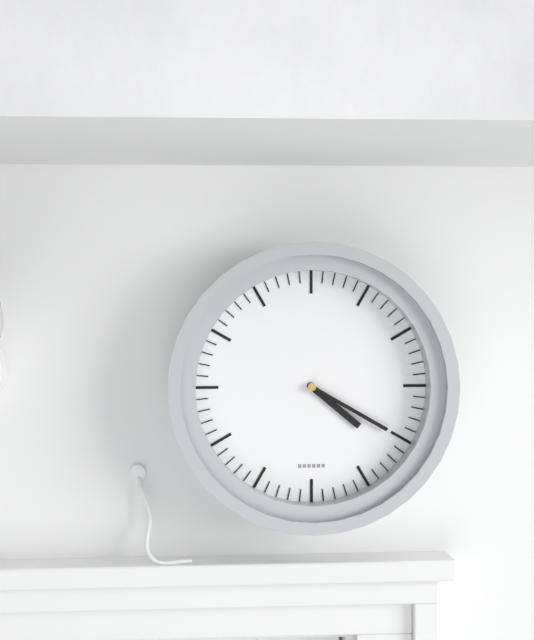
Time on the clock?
4:20
